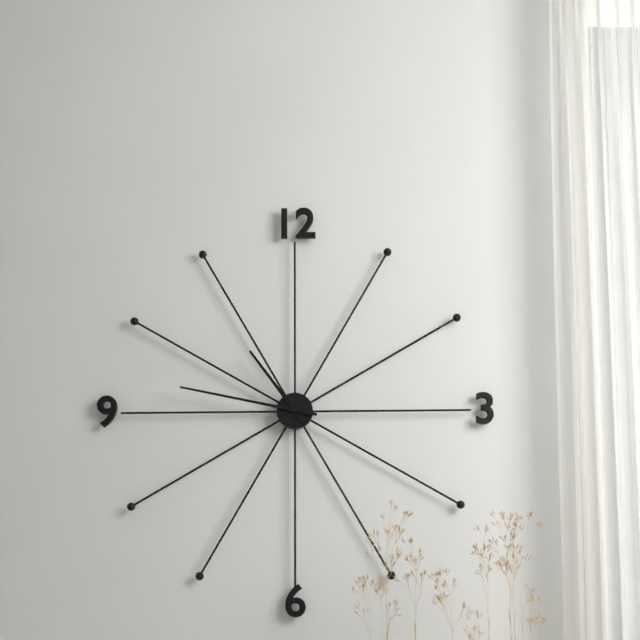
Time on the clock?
10:47
